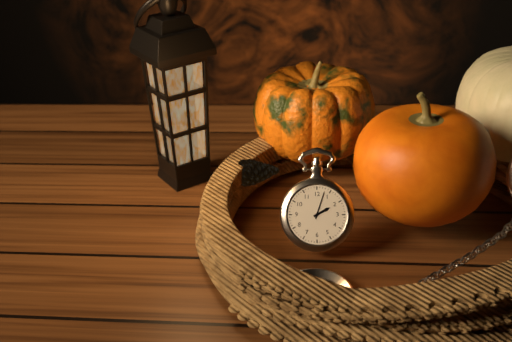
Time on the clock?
2:03
